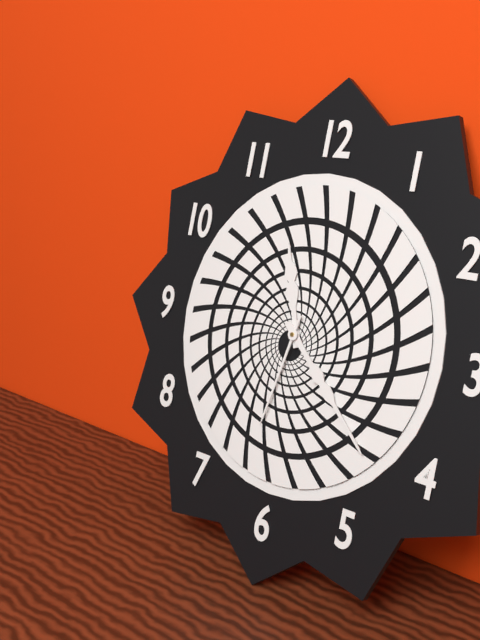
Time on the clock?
11:22:32
